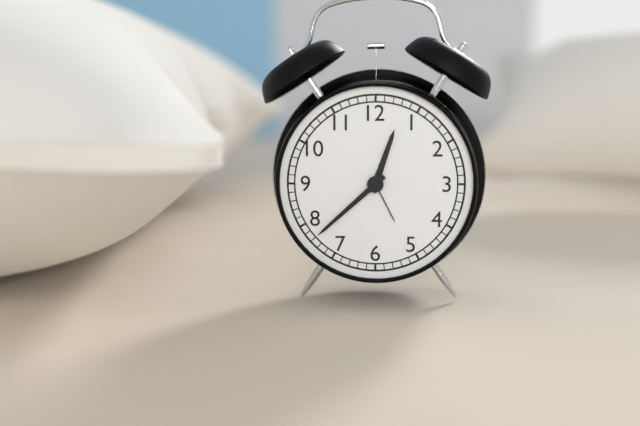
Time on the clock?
12:38
